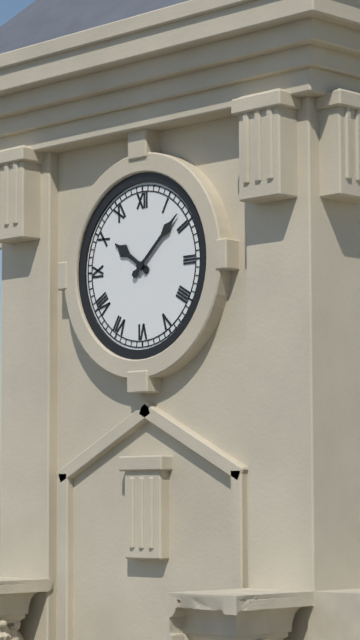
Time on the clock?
10:08
